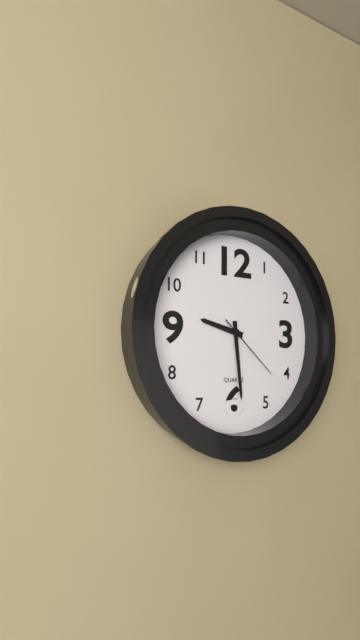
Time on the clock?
9:29:22
